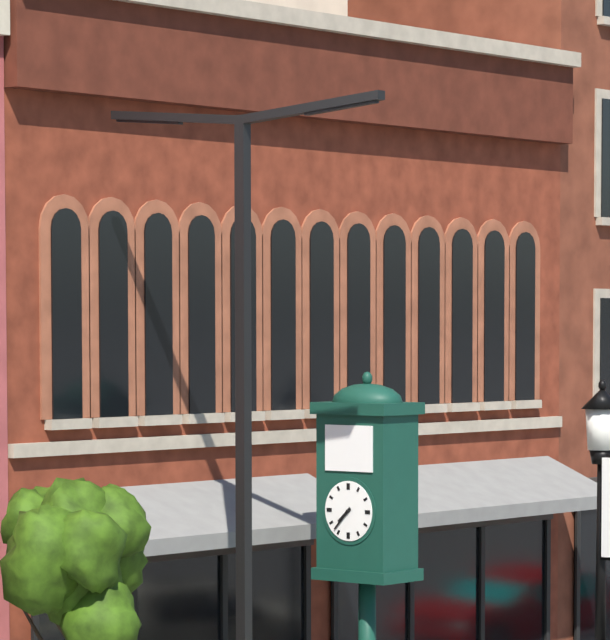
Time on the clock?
7:37
